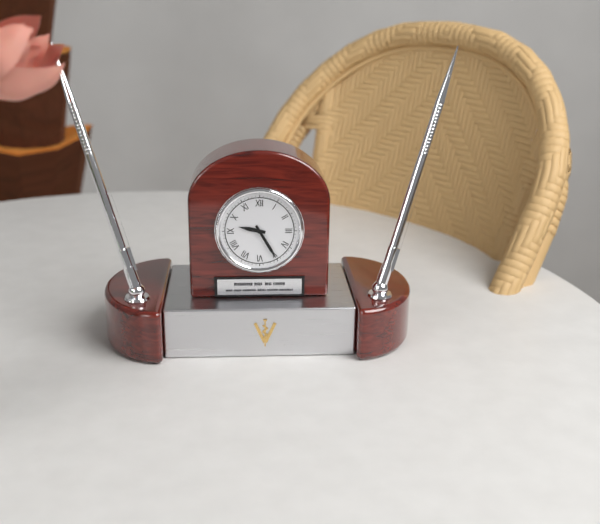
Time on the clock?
9:25
